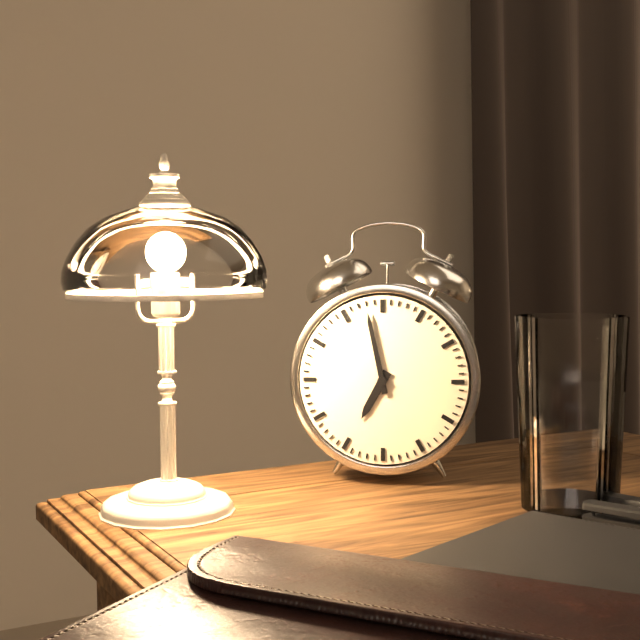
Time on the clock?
6:58
